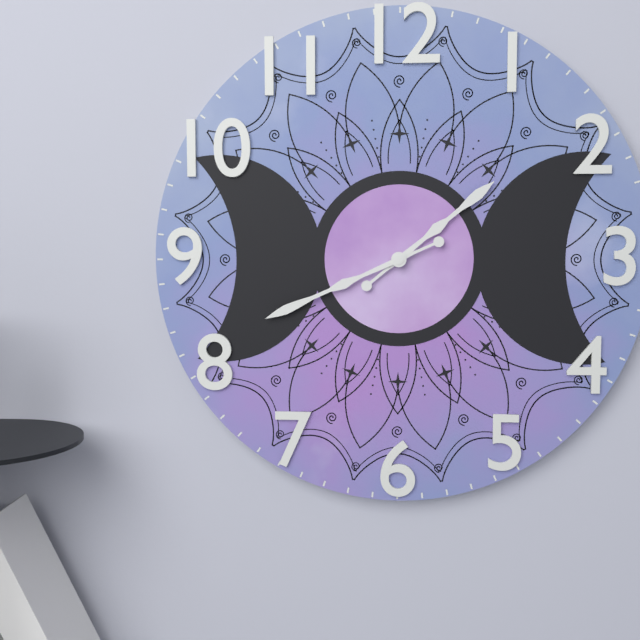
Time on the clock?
1:41
